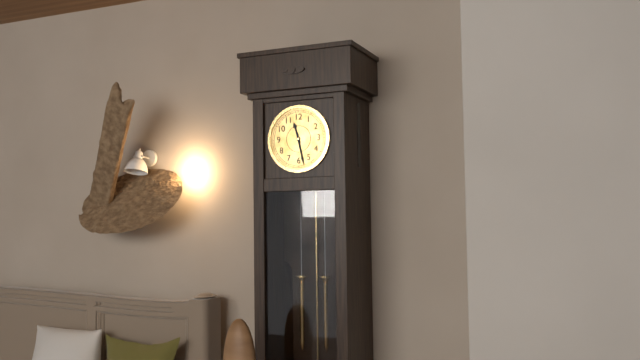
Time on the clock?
11:28
